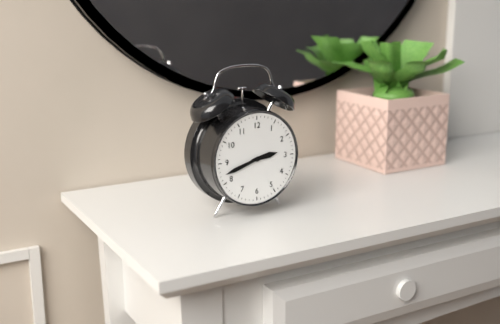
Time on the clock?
2:42
